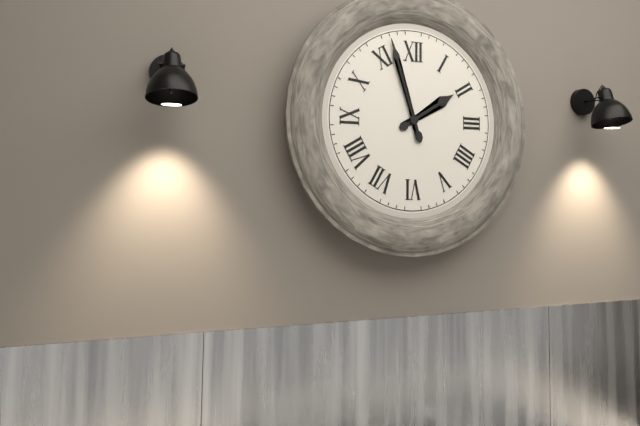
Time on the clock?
1:57
